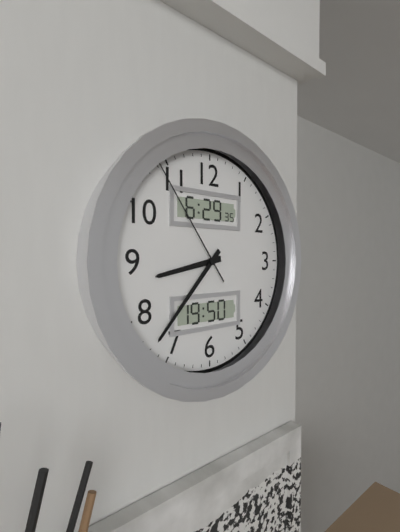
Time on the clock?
8:37:54
